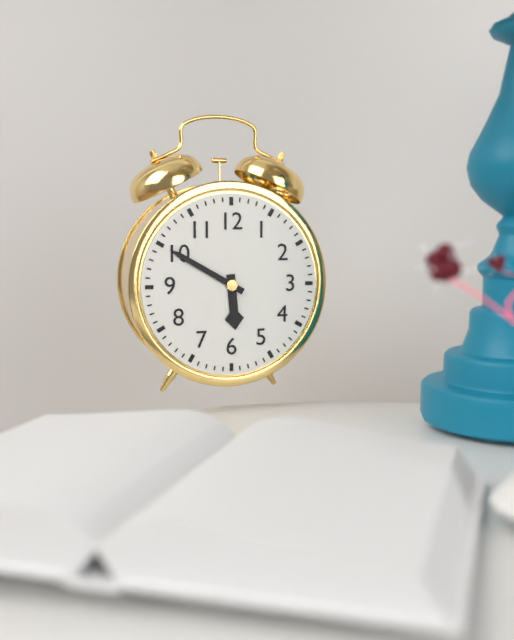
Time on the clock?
5:50
